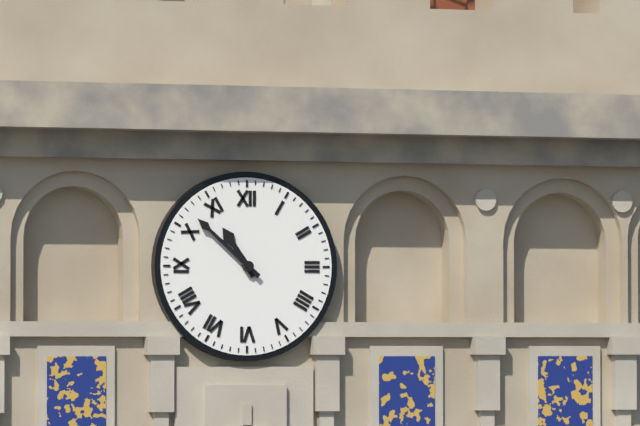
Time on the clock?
10:52
